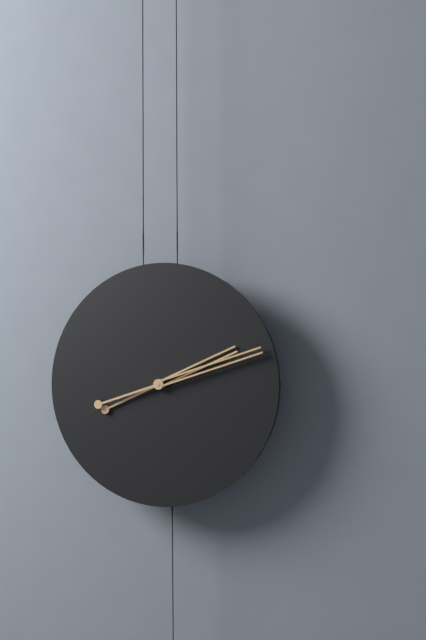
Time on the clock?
2:12
